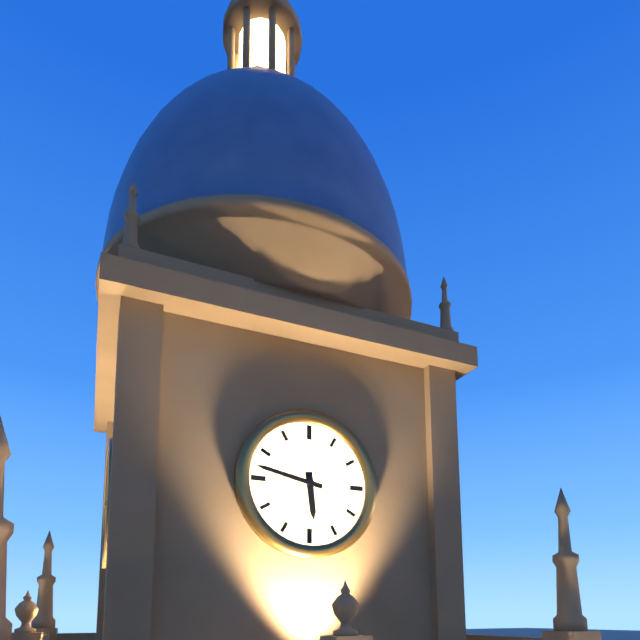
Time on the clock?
5:47
